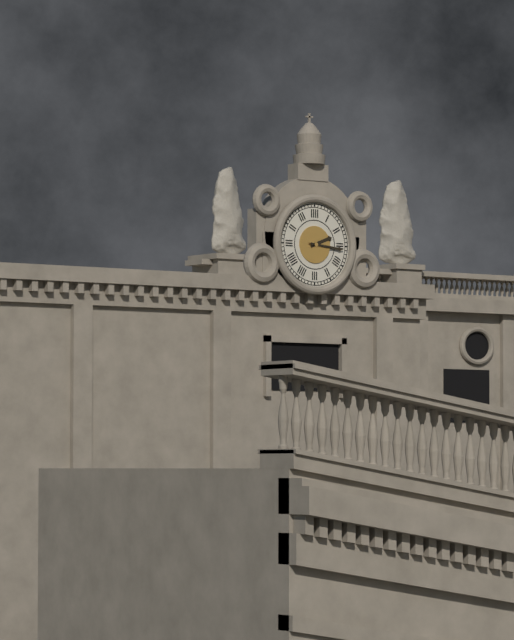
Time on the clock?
2:16
